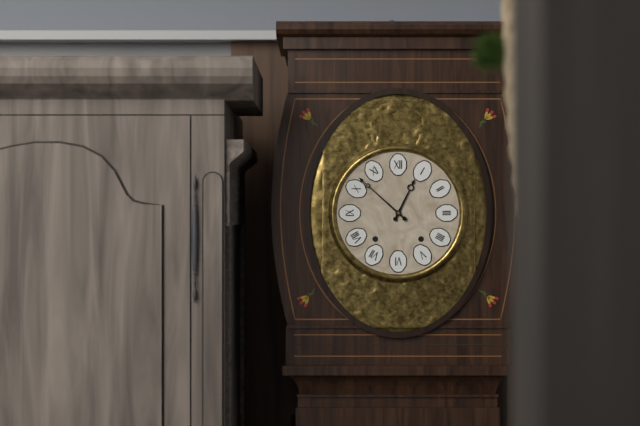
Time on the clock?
12:52
